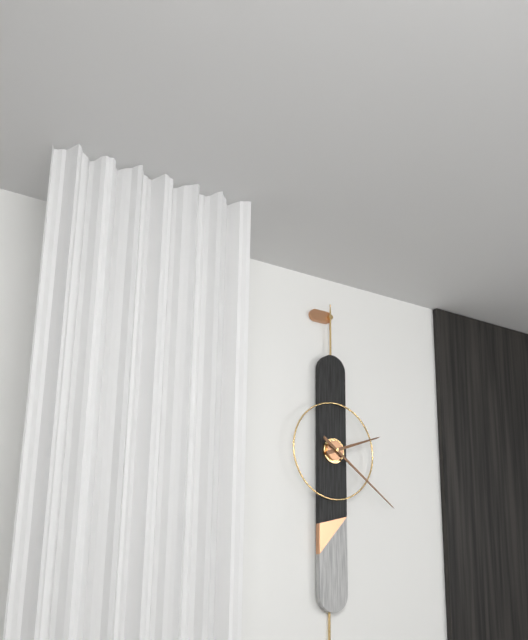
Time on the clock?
2:21
